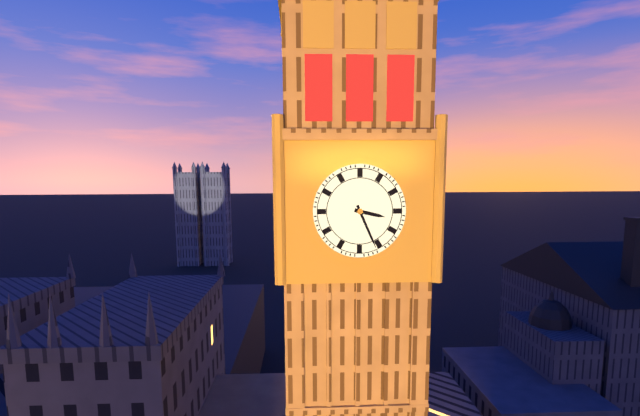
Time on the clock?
3:26
